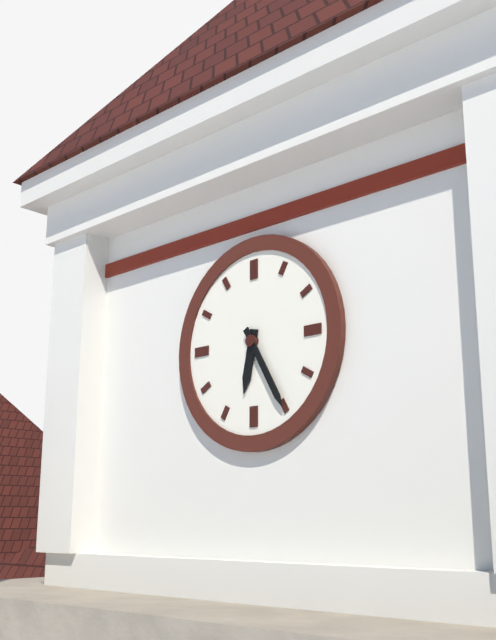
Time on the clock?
6:25
